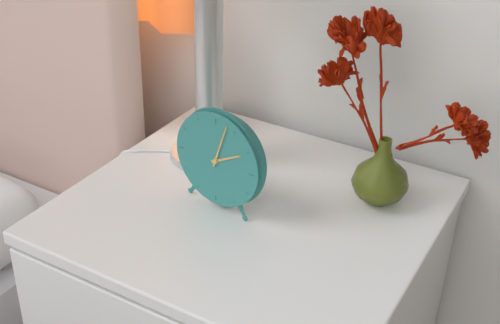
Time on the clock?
2:03
